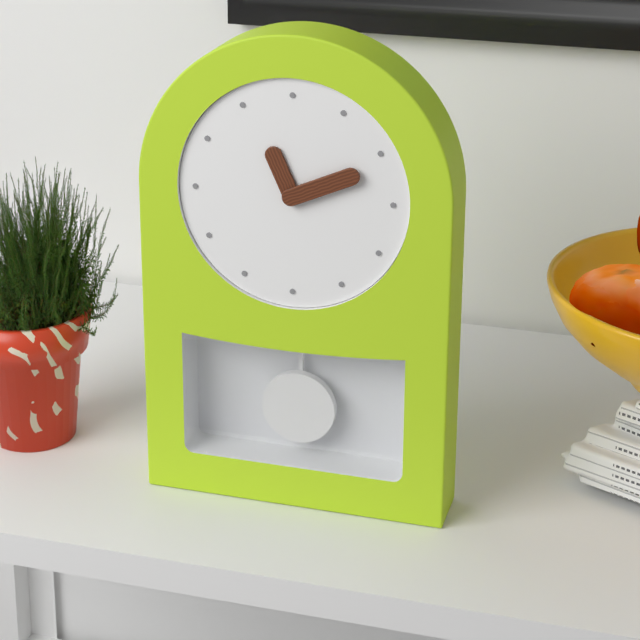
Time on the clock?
11:11
